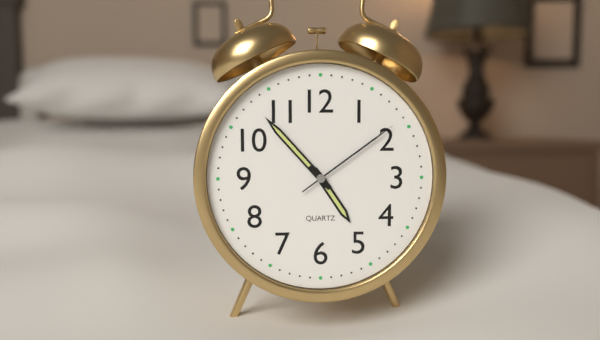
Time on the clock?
4:53:09
